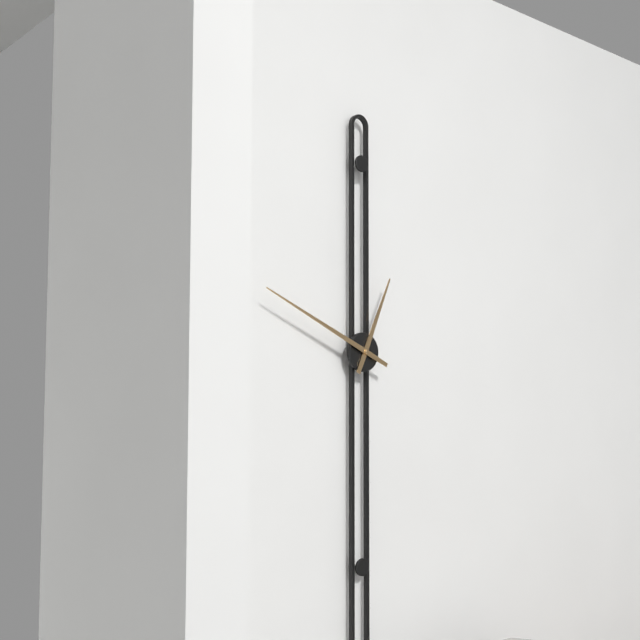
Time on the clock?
12:49
